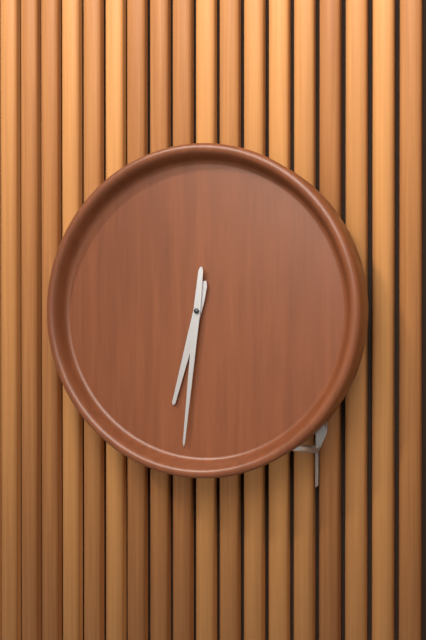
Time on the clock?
6:31
